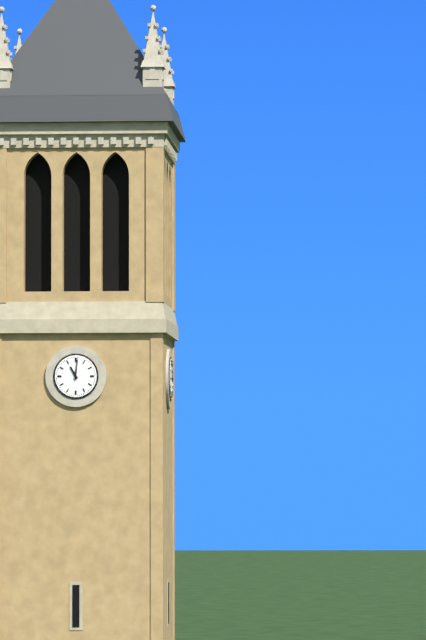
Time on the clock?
11:01
